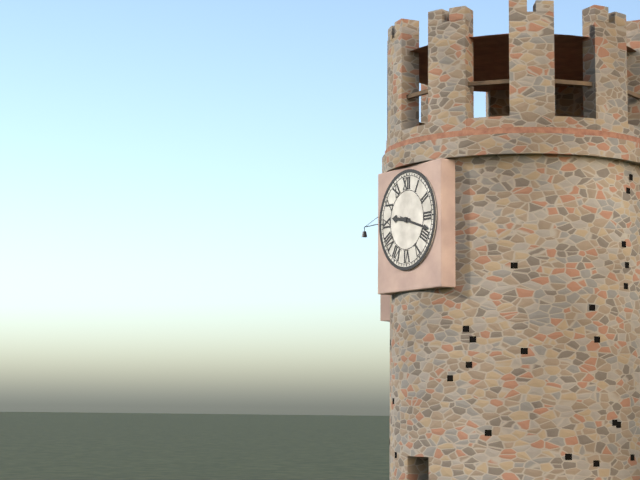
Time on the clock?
9:18
